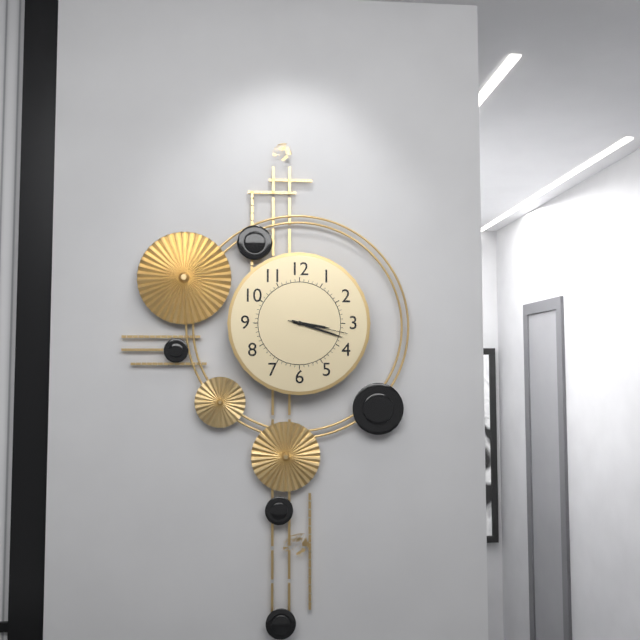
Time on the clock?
3:18:17
